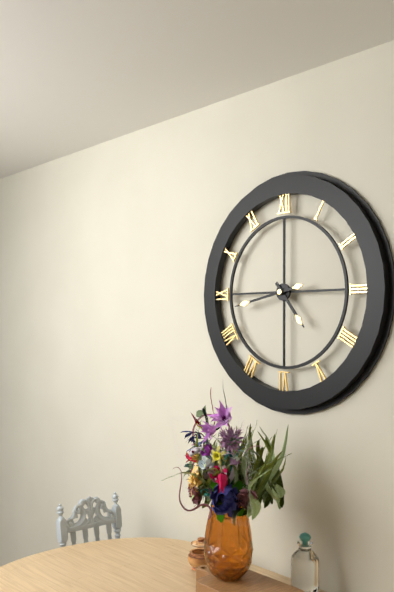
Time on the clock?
4:43
